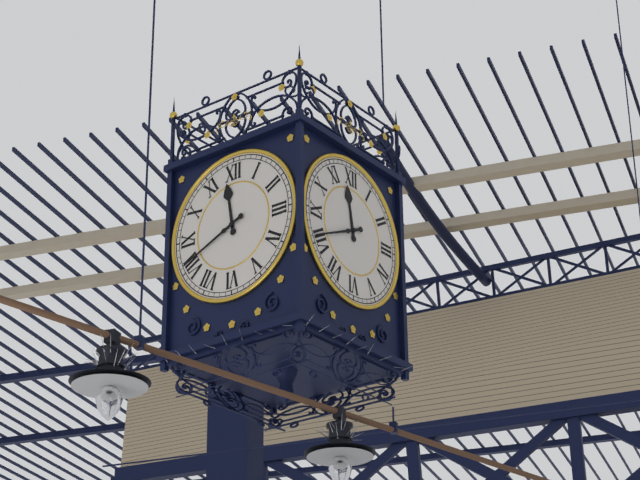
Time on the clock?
11:41
